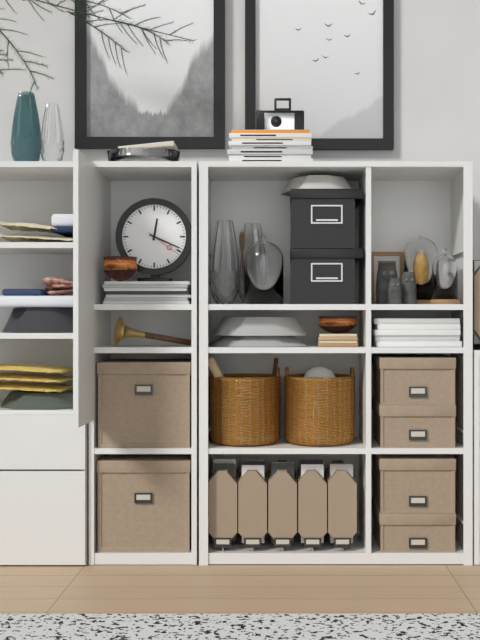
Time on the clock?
12:19
